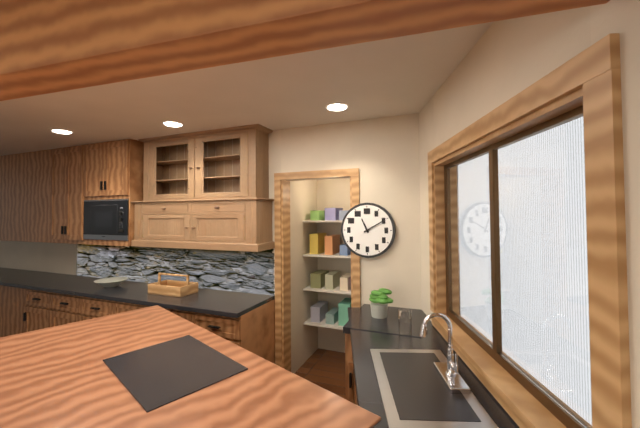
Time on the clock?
11:10
